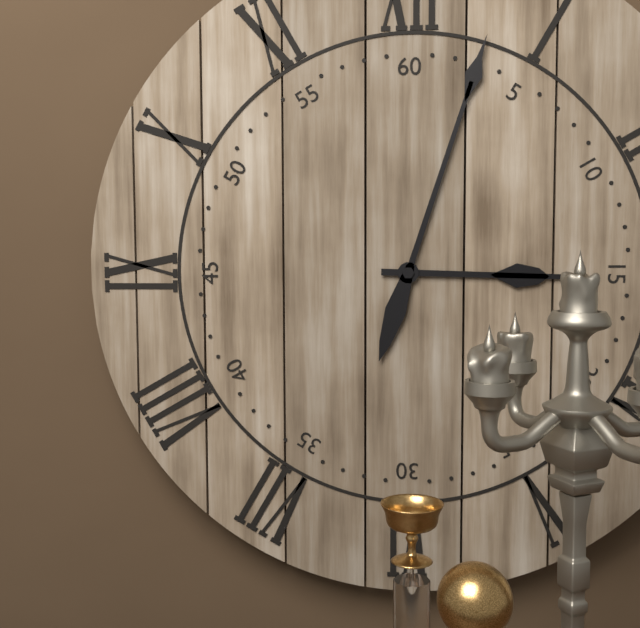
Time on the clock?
3:03
